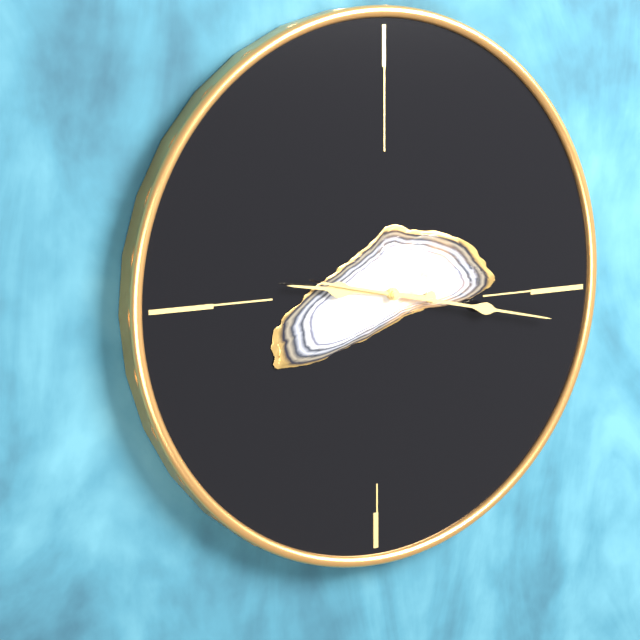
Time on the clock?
9:17
